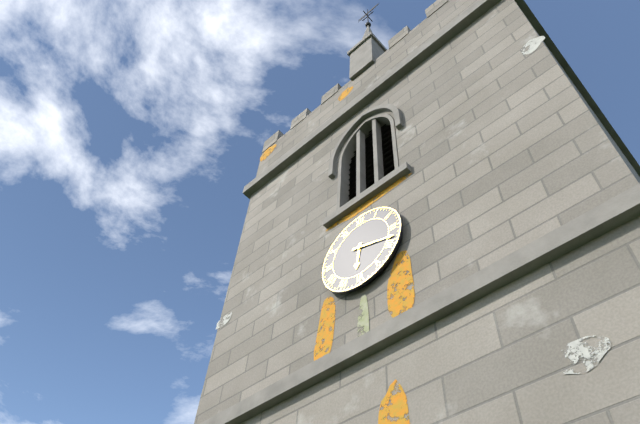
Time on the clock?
6:18
